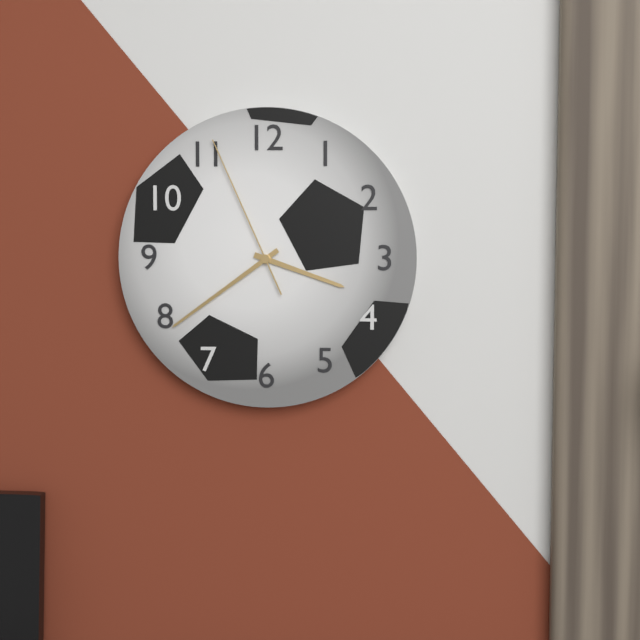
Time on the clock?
3:39:56
